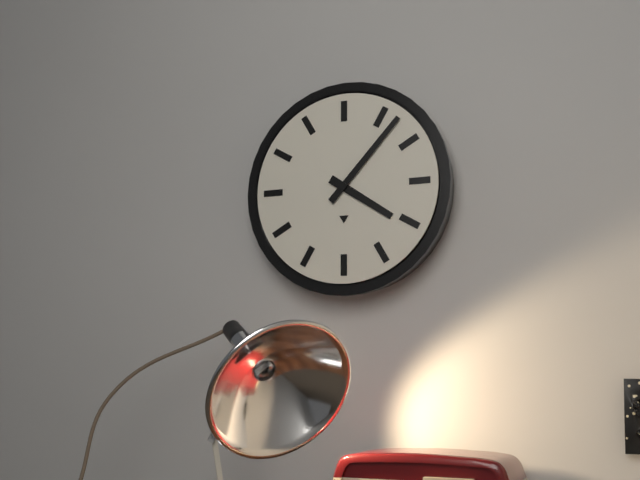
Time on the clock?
4:07
